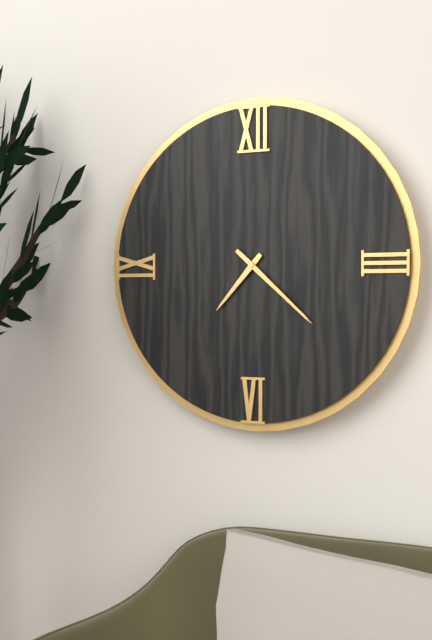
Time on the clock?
7:22
